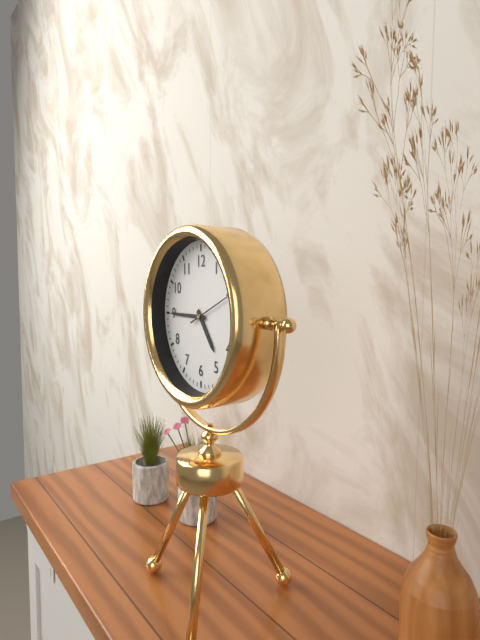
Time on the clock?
4:45:11
